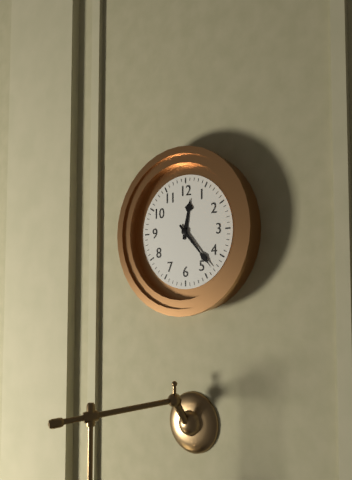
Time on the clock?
12:23
